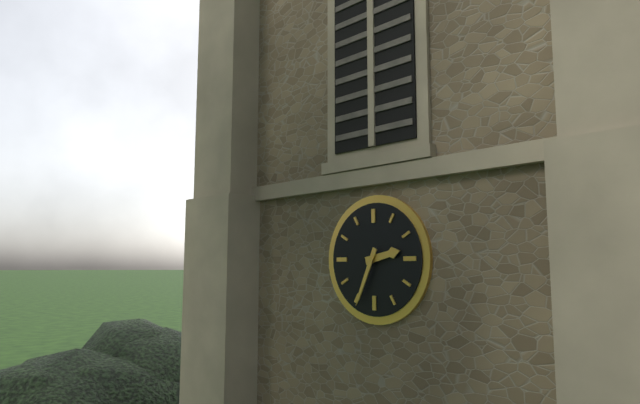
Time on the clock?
2:34
